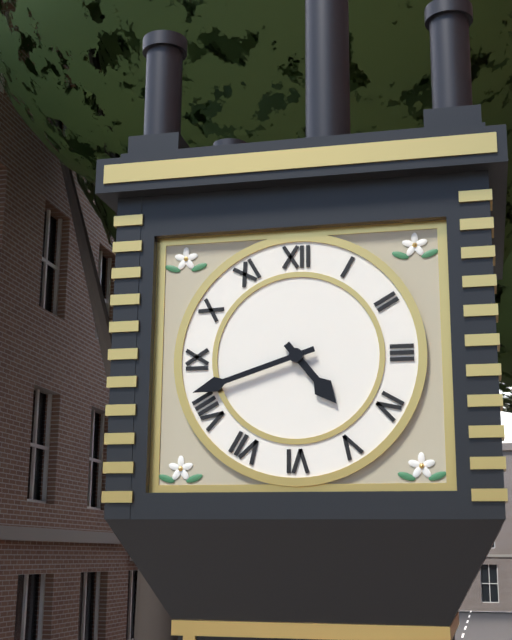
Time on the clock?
4:42
